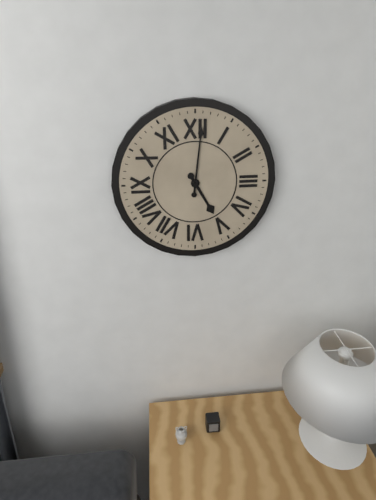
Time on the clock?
5:01
